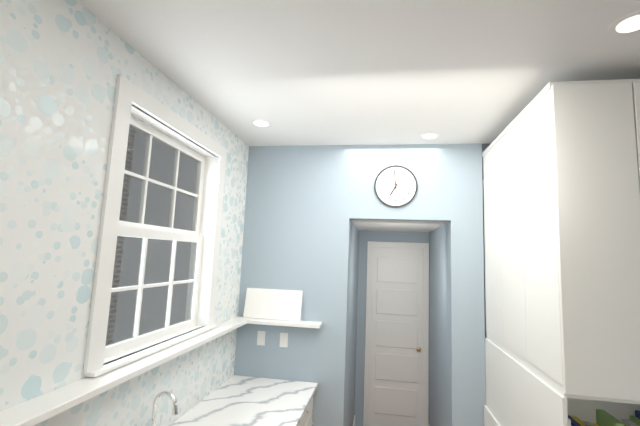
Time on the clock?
6:59
